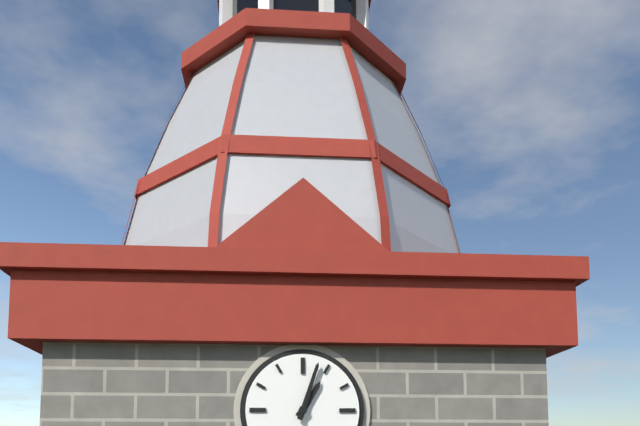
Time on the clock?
1:03
